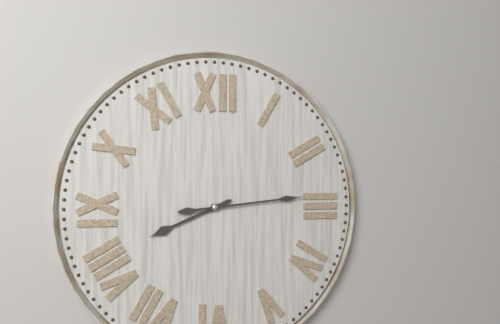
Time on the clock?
8:14
